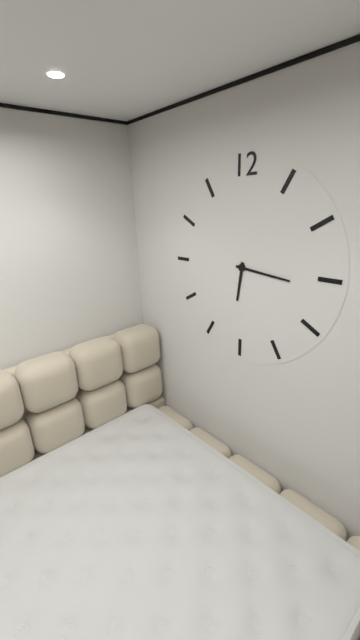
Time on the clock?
6:16
